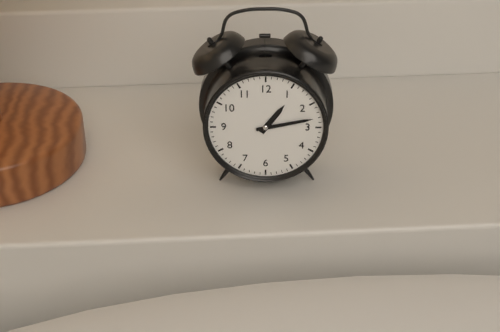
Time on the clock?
1:13
